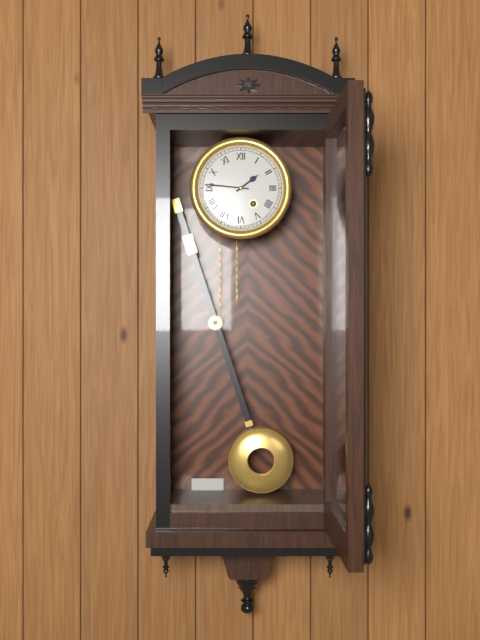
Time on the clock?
1:46
